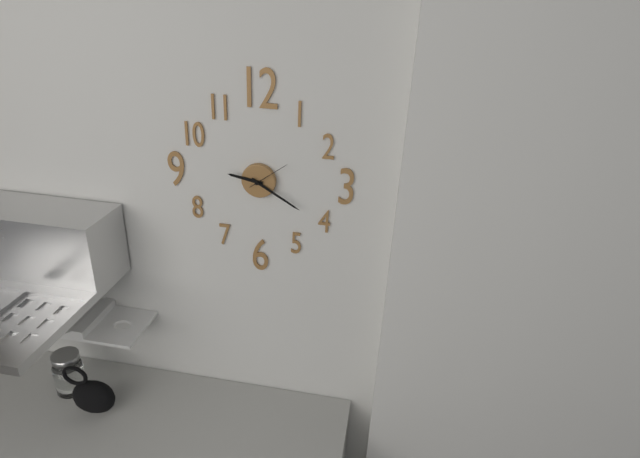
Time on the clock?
9:20
